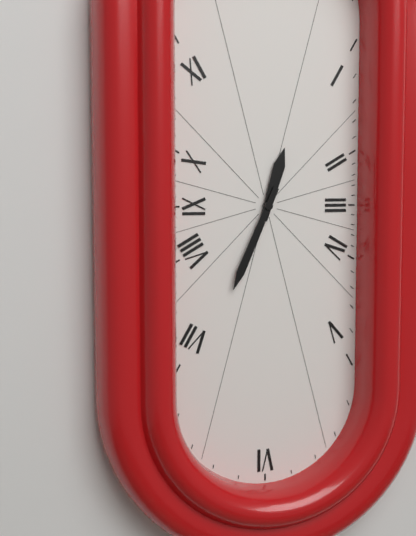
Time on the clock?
12:34
